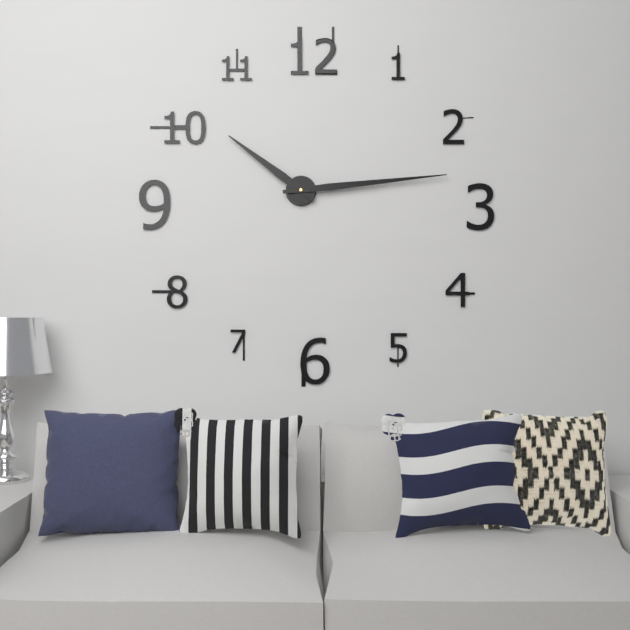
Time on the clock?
10:14
